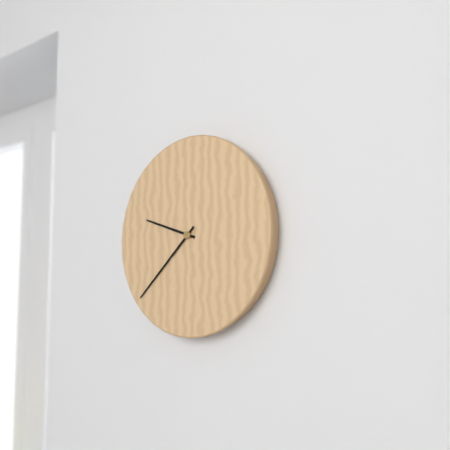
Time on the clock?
9:38
